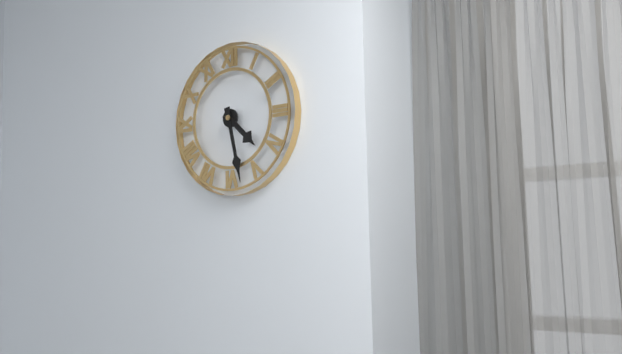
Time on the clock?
4:28
